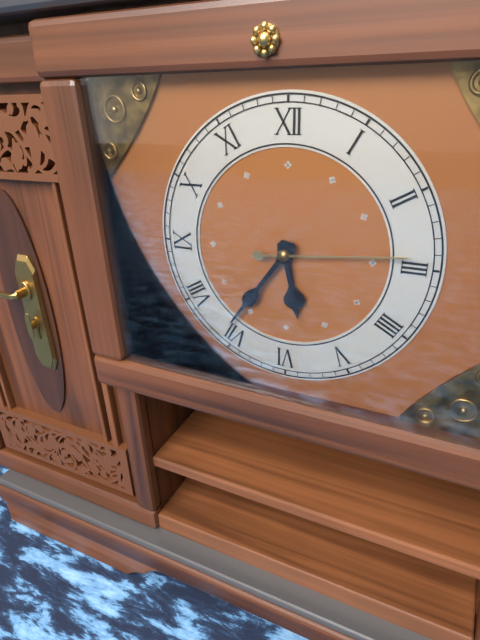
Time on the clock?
5:36:14
